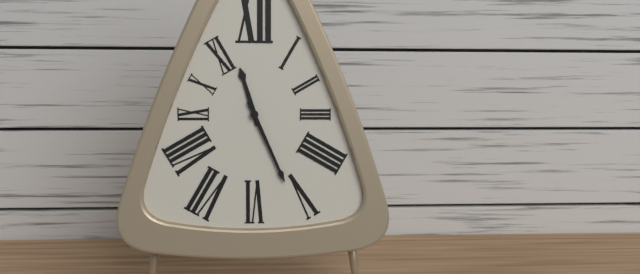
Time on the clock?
11:26
